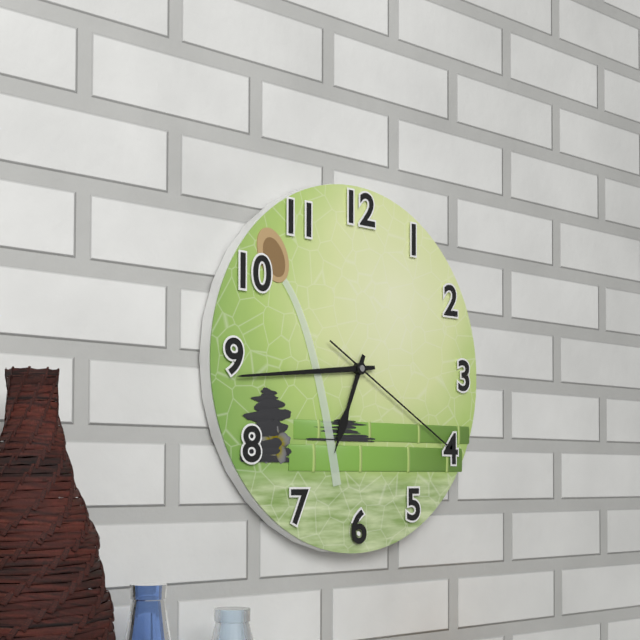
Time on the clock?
6:44:20
